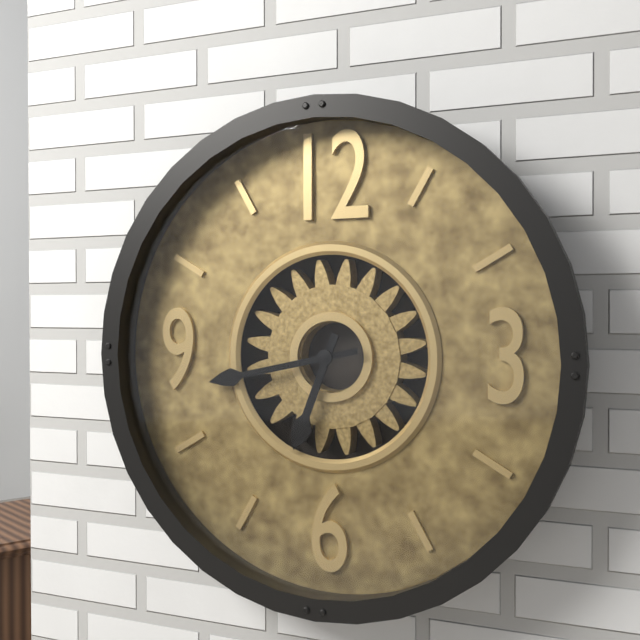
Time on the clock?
6:43
